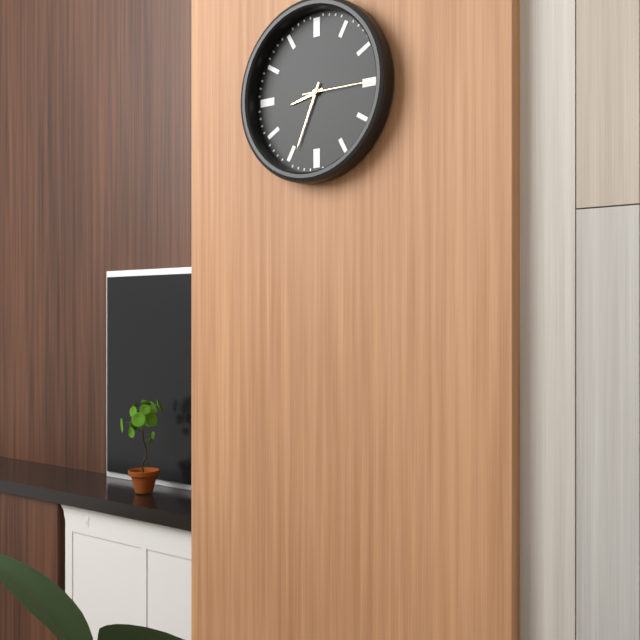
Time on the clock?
8:34:15
